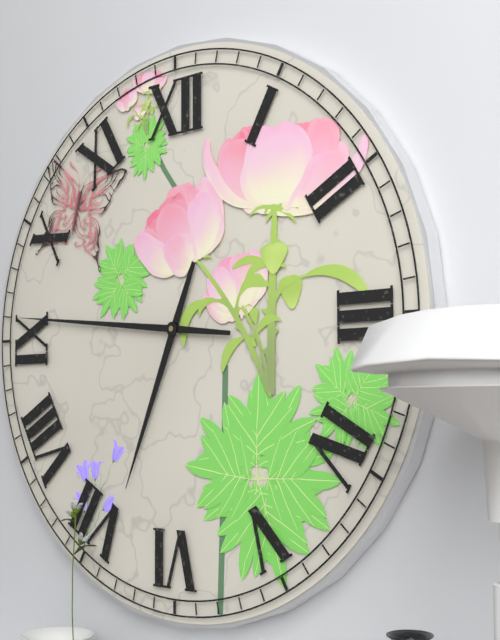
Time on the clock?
6:46
